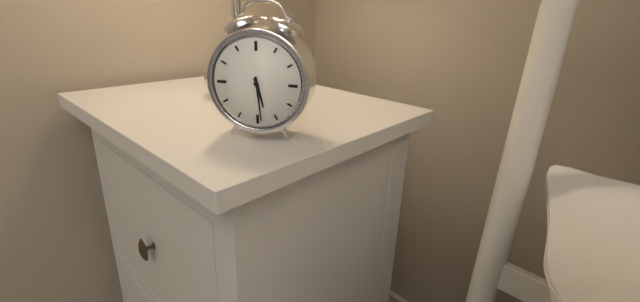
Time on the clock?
5:29
